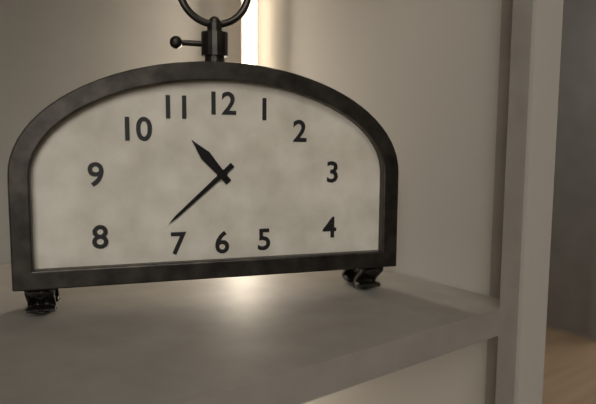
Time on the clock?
10:38
